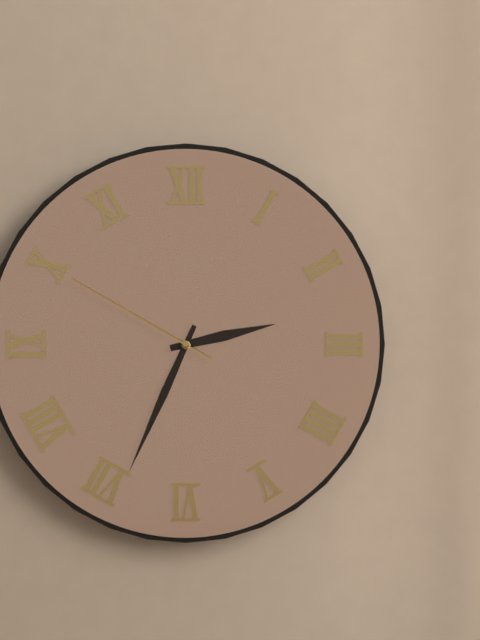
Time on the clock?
2:34:50
